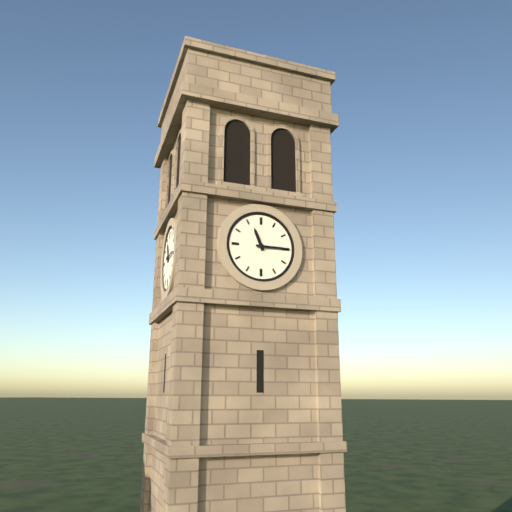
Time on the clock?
11:15
